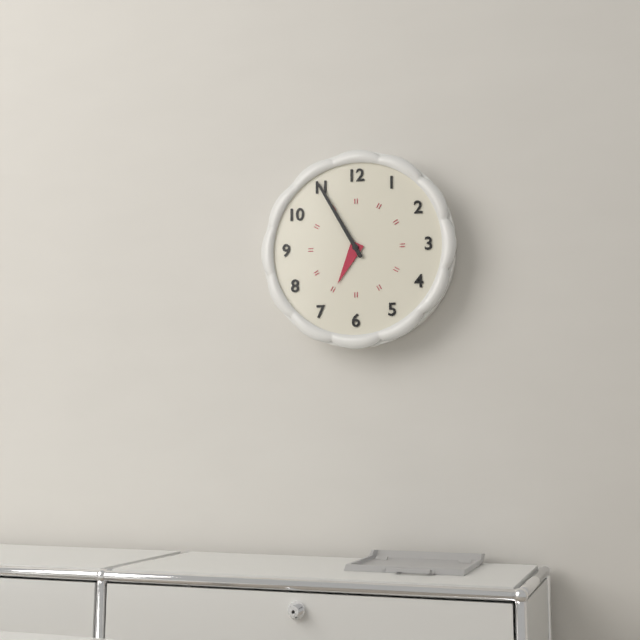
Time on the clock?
6:55
